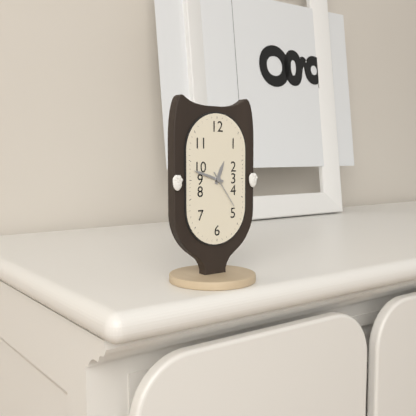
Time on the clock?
12:48
